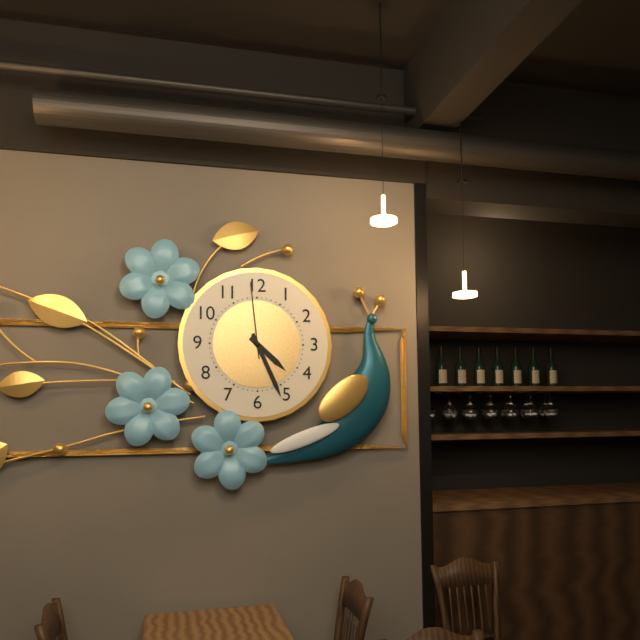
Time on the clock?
4:26:59
